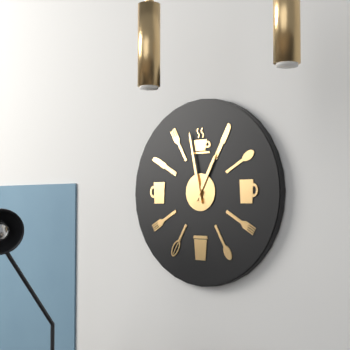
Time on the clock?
12:58
